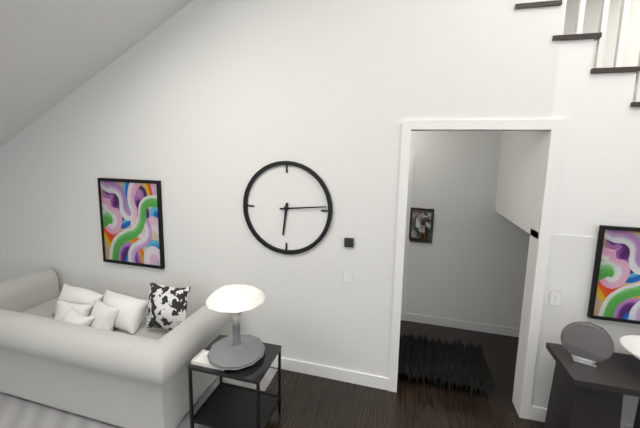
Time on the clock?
6:14
